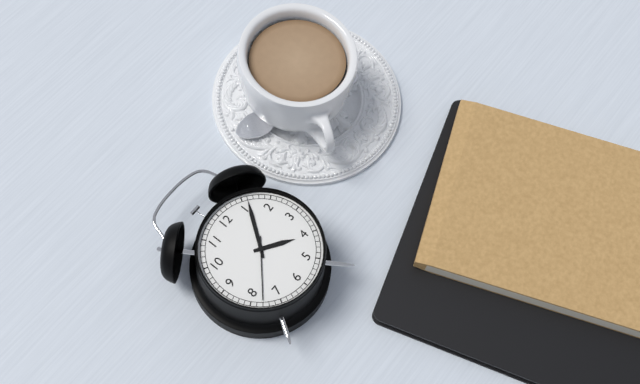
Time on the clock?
4:06:38
